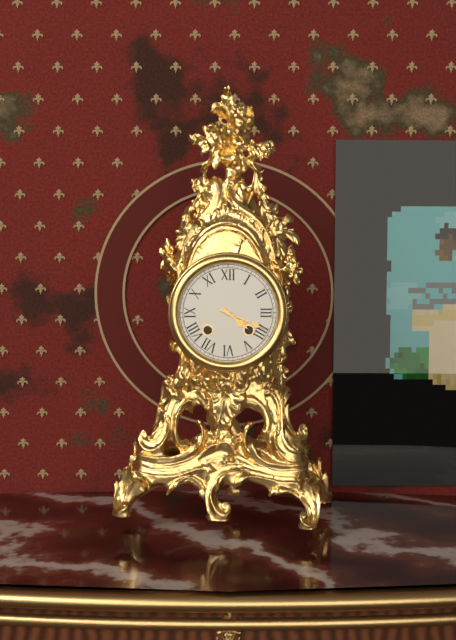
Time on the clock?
4:19
